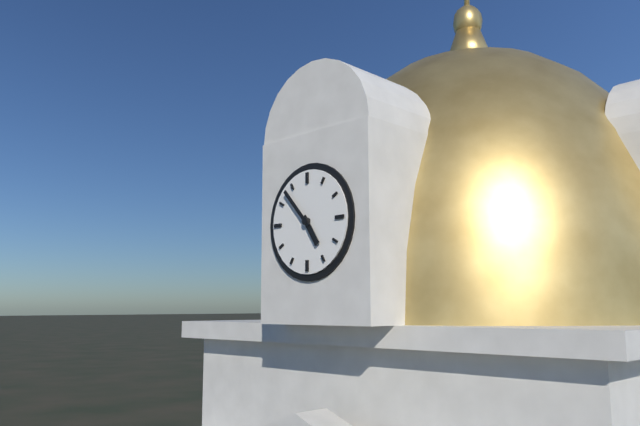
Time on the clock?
4:53
